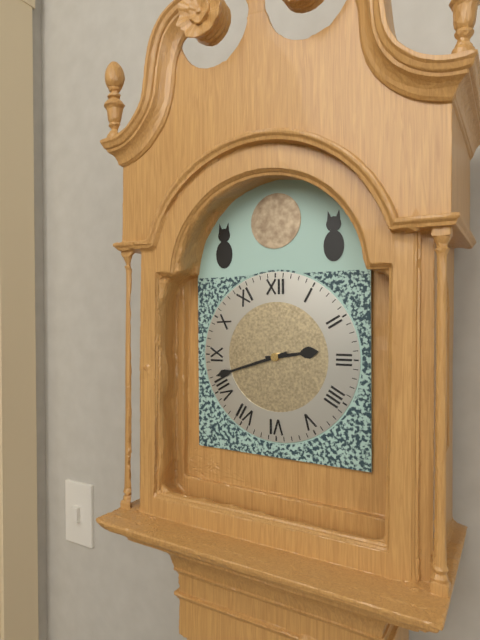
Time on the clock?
2:42
